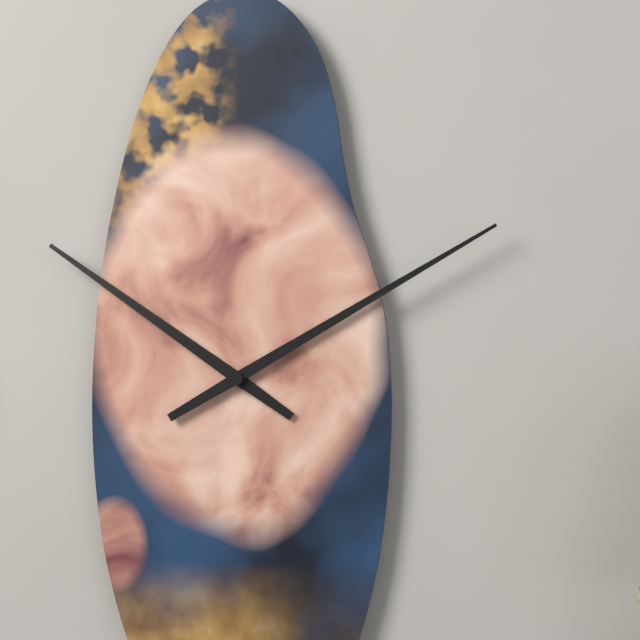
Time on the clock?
10:10
